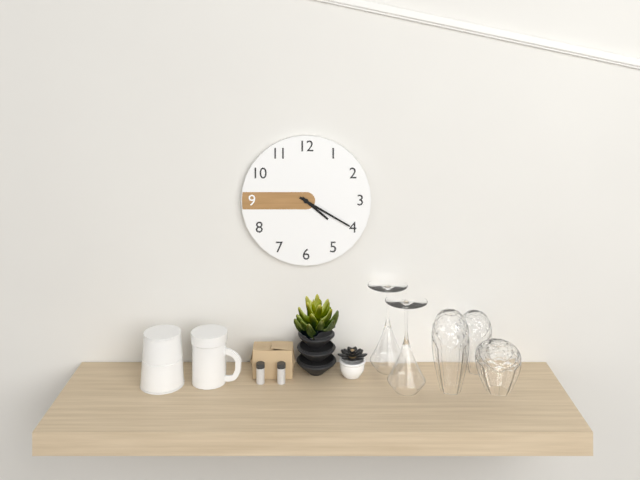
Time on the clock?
4:20
